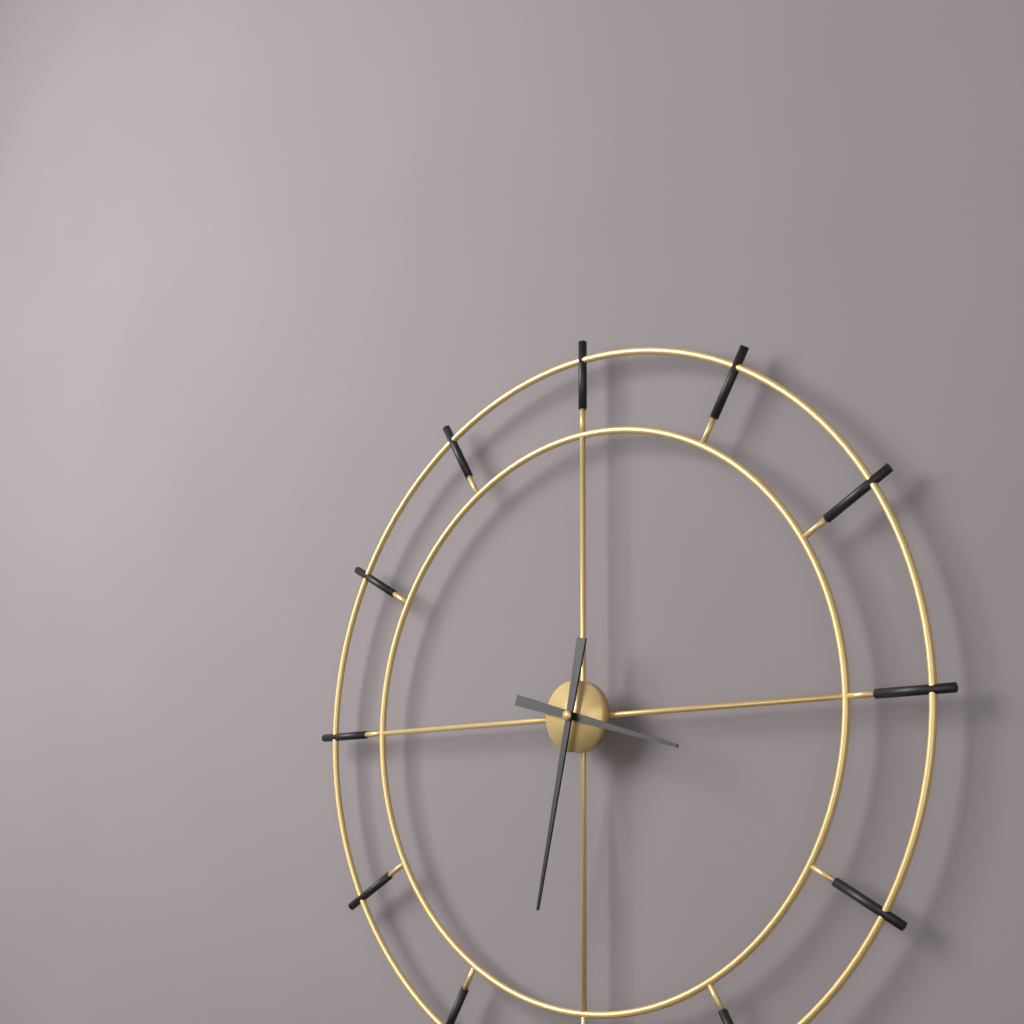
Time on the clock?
3:32
